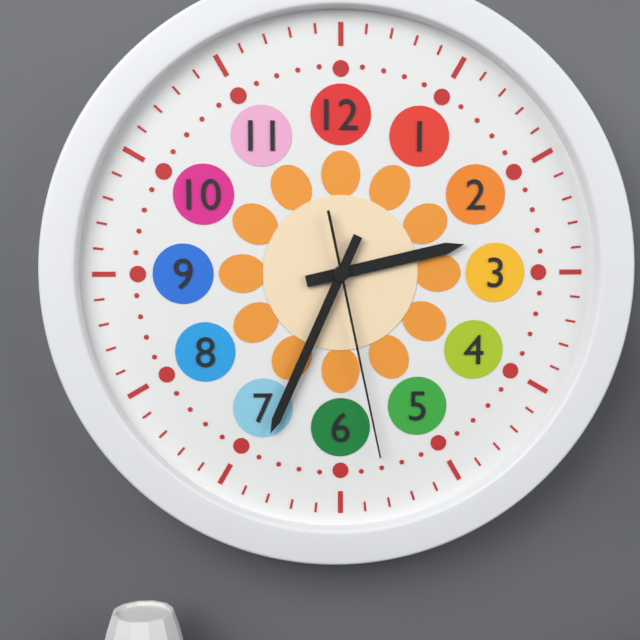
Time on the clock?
2:34:28
